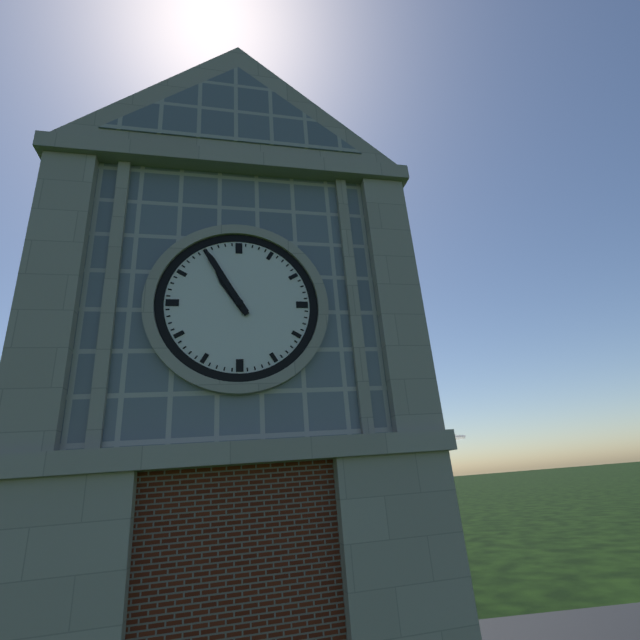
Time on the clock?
10:55
